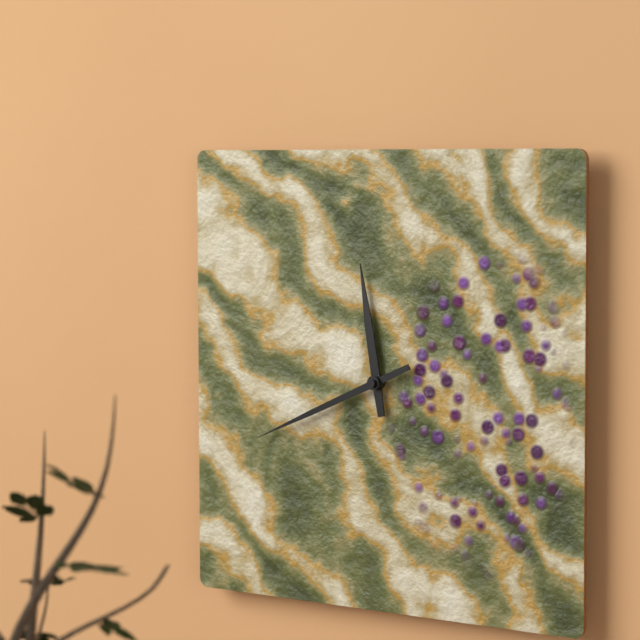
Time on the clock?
11:41
